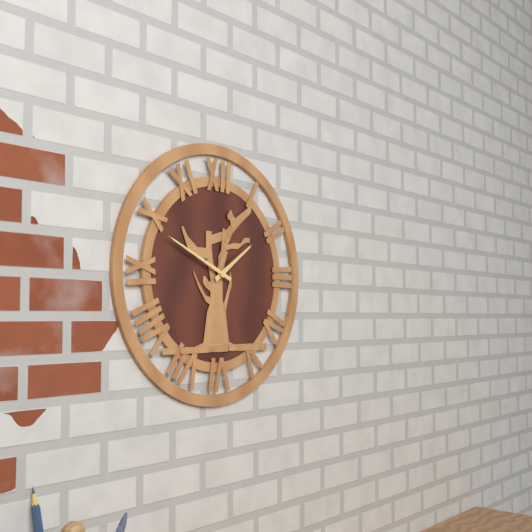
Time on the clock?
1:49
